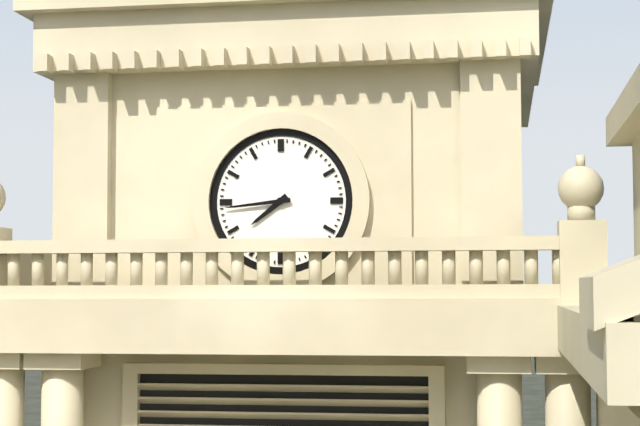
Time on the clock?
7:44
